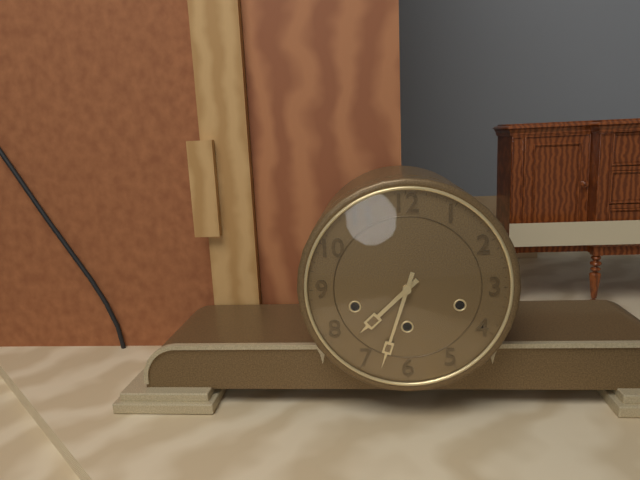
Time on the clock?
7:33
